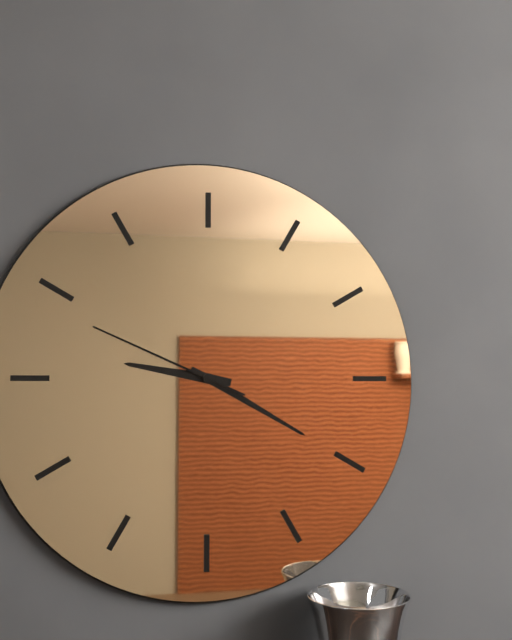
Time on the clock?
9:20:49
